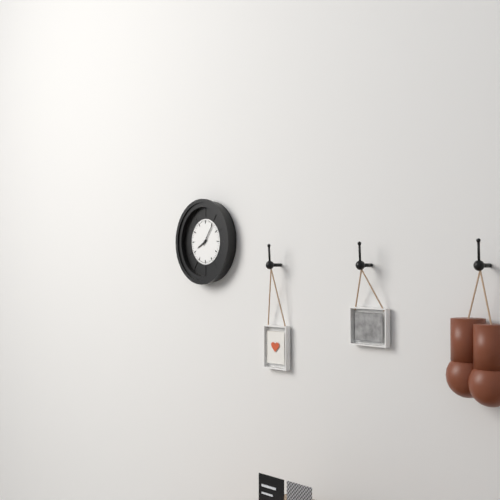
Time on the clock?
8:06
